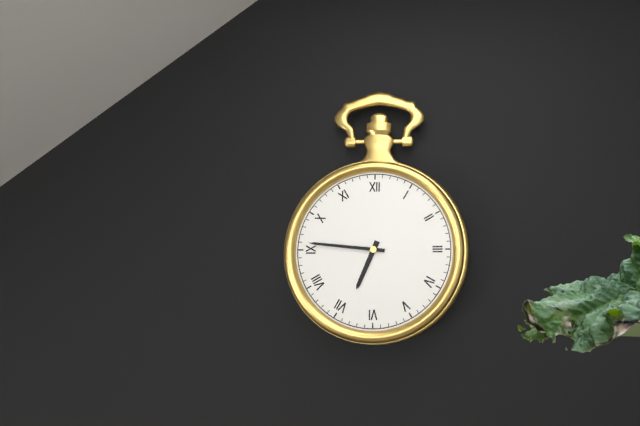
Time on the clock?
6:46
